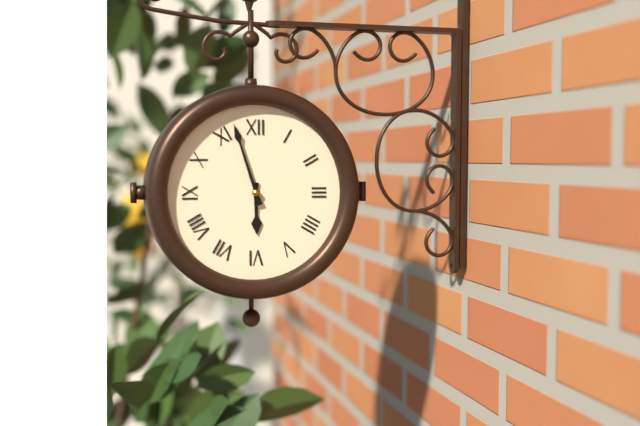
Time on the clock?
5:57
